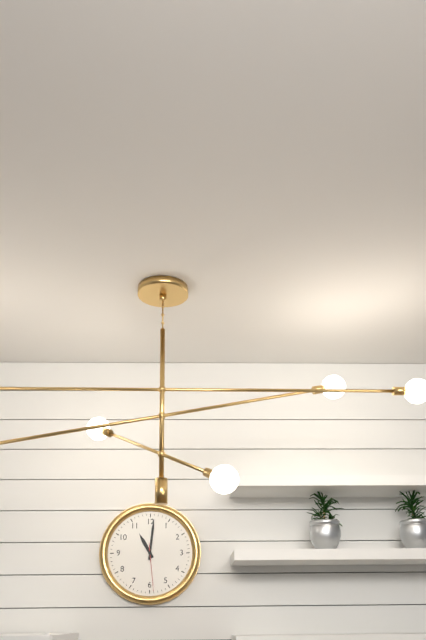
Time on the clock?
11:01
